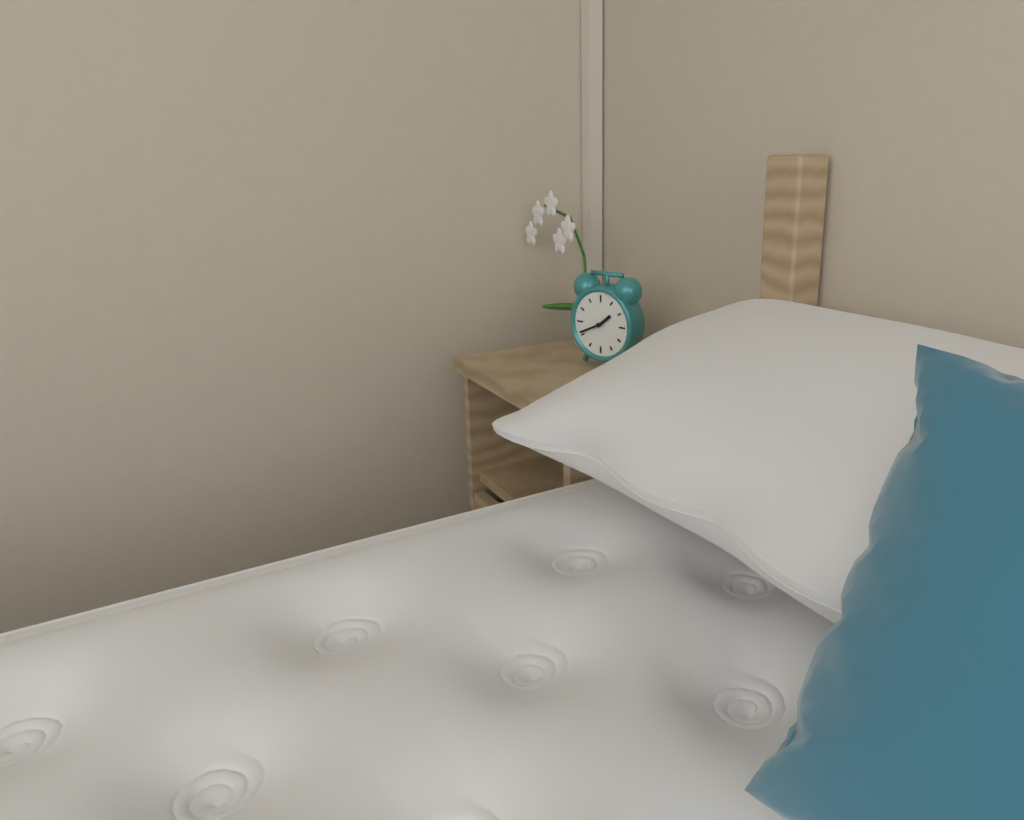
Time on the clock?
1:41
